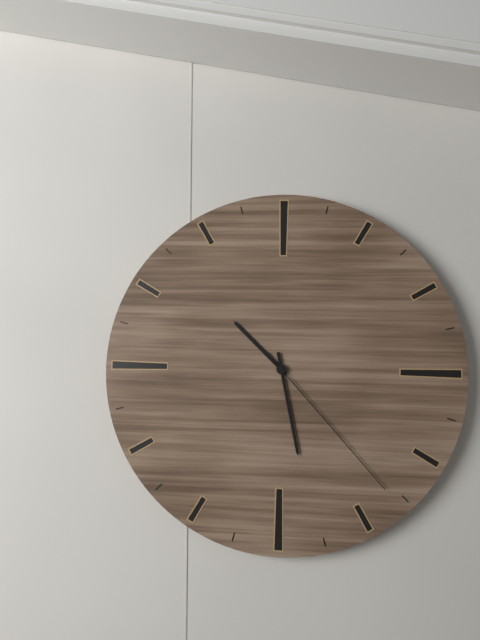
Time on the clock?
10:28:23
